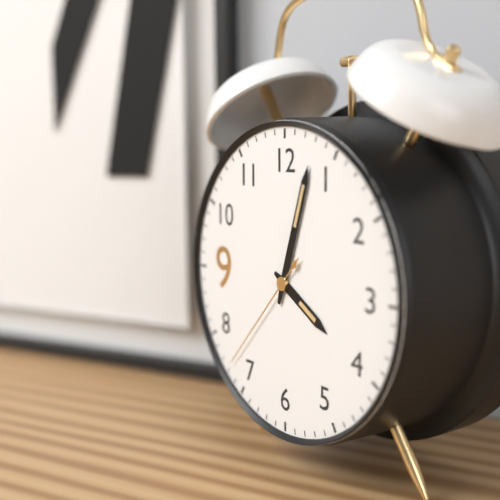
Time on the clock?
4:03:37
